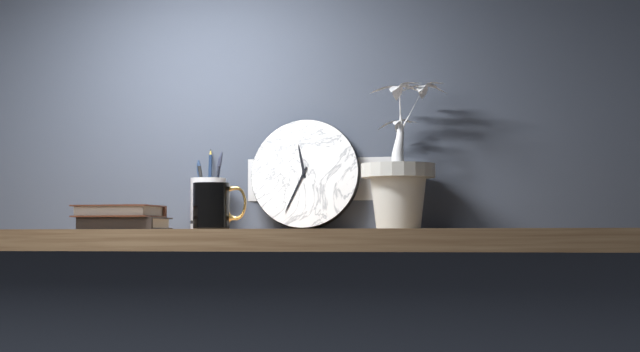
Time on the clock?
11:34
